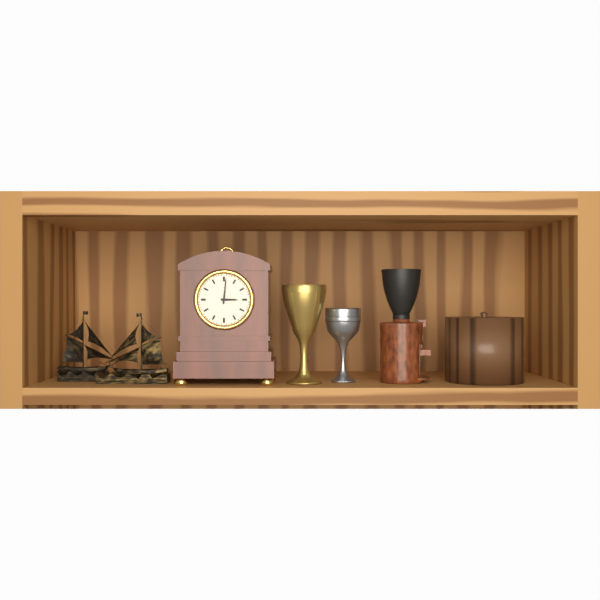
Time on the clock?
3:01
